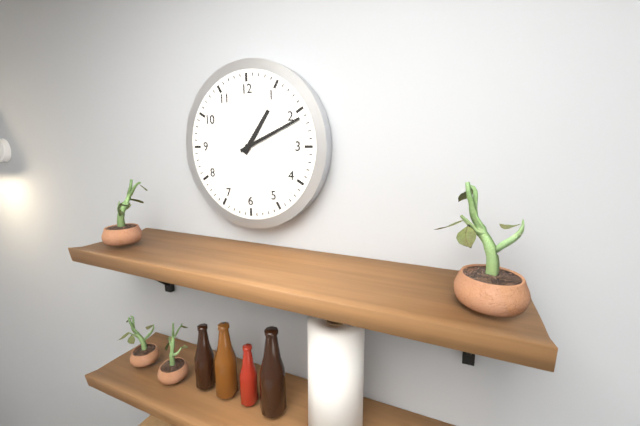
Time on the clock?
1:11
